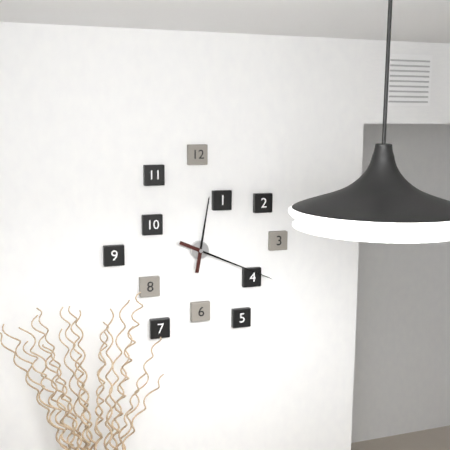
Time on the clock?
12:19
